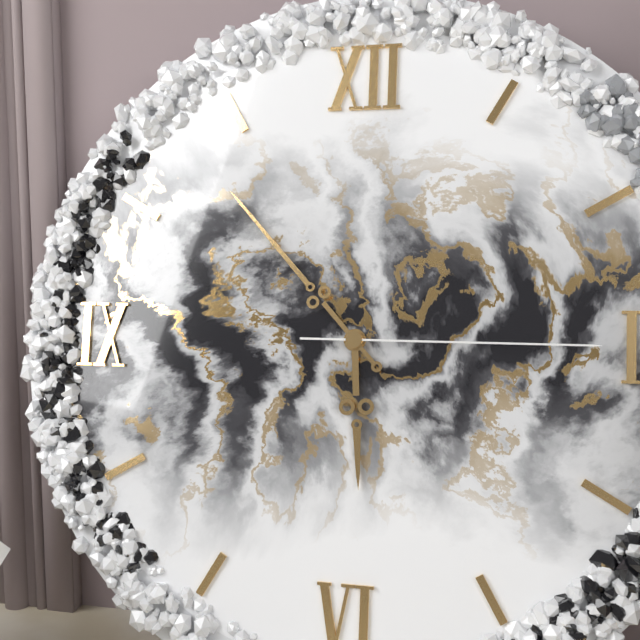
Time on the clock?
5:53:15
